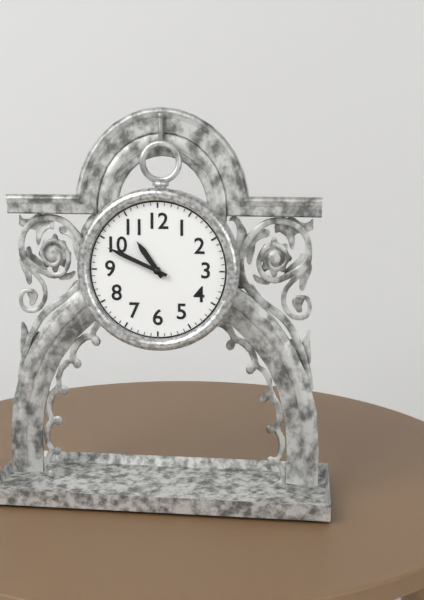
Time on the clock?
10:49
